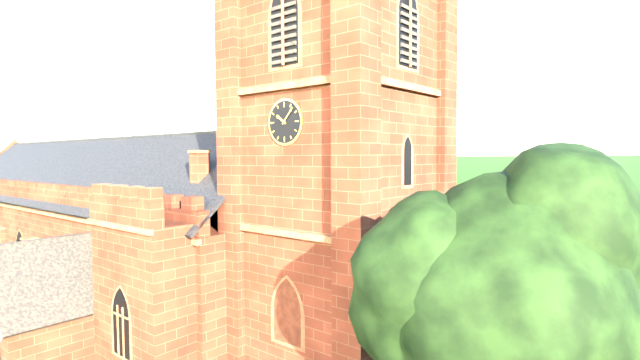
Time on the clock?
10:07
